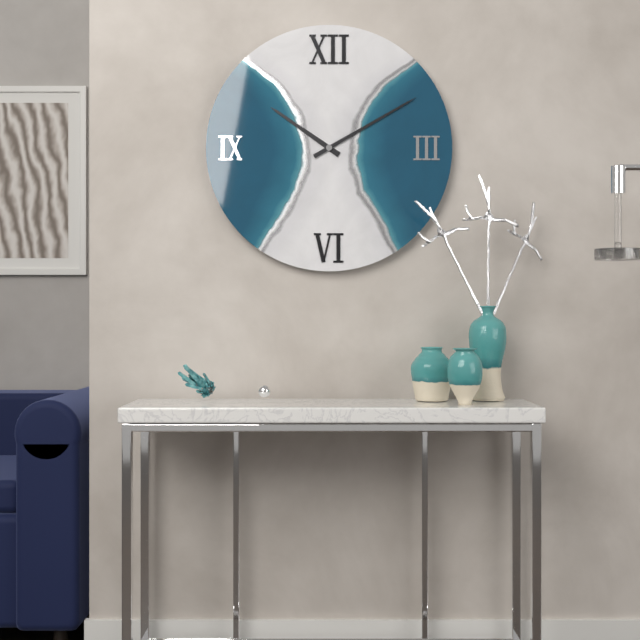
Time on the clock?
10:10
